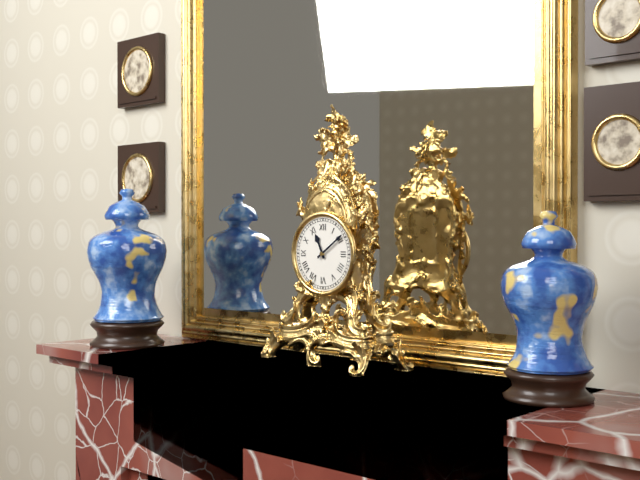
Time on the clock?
11:09
